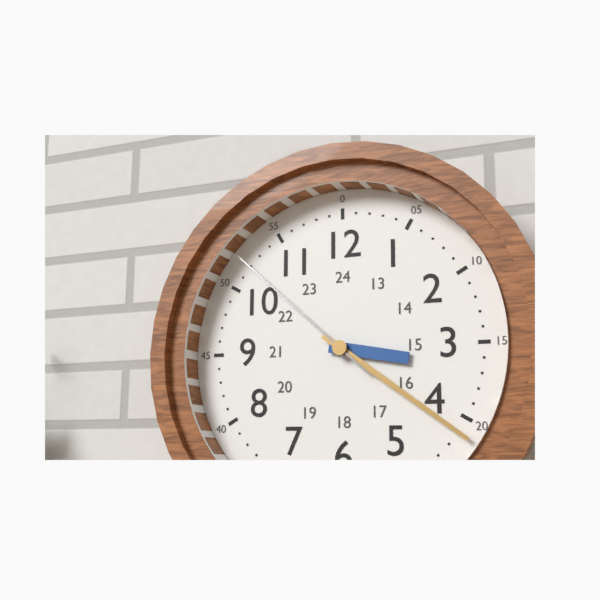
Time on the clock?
3:21:52
